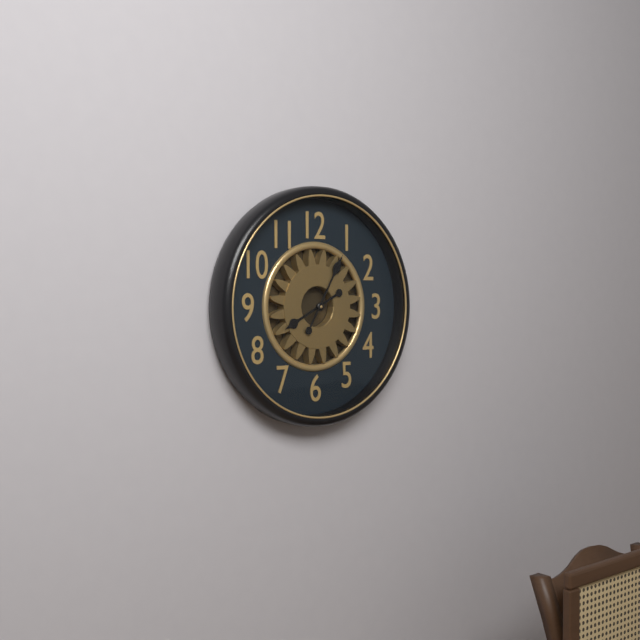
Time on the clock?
8:05
